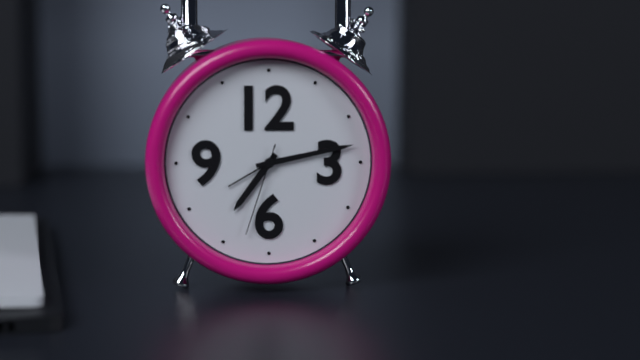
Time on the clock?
7:13:33
